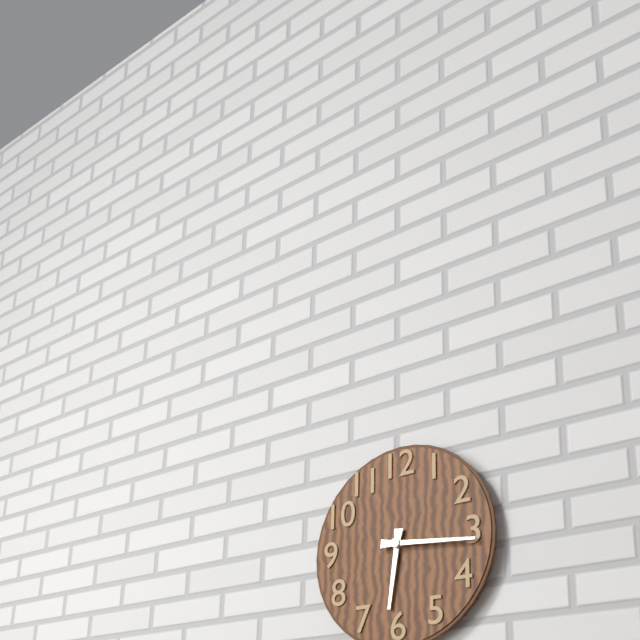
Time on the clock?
6:16
